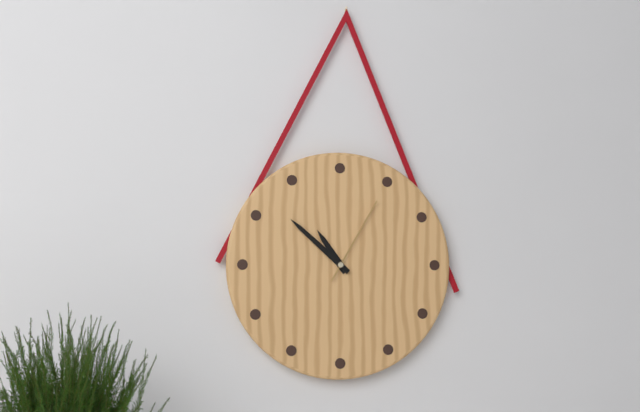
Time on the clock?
10:52:05
